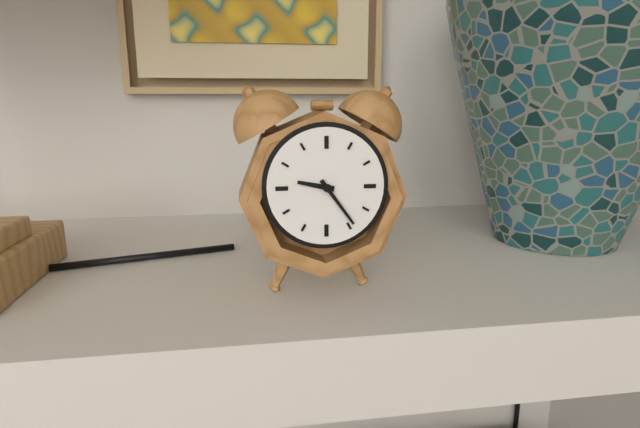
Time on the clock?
9:24
